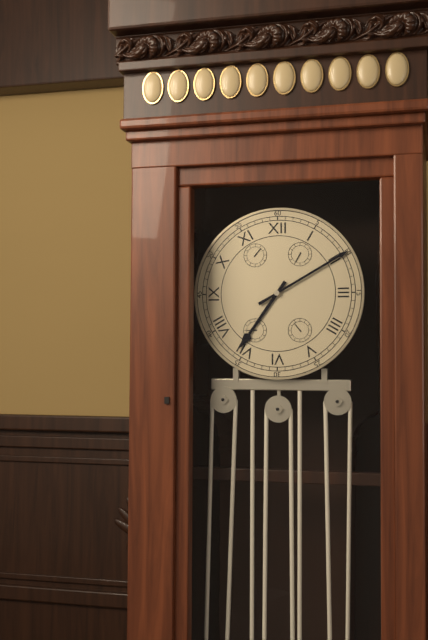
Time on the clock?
7:10
